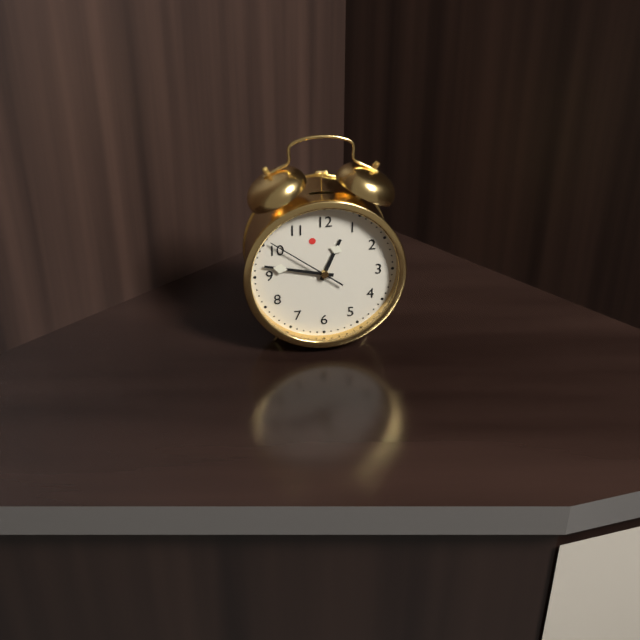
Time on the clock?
12:47:51
